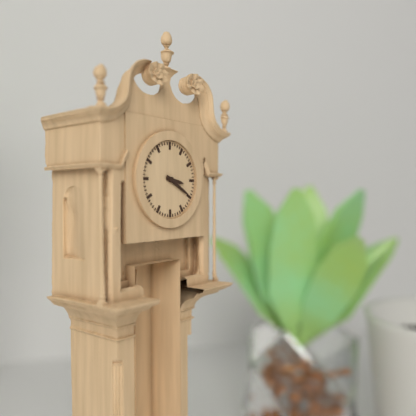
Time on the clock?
3:20
